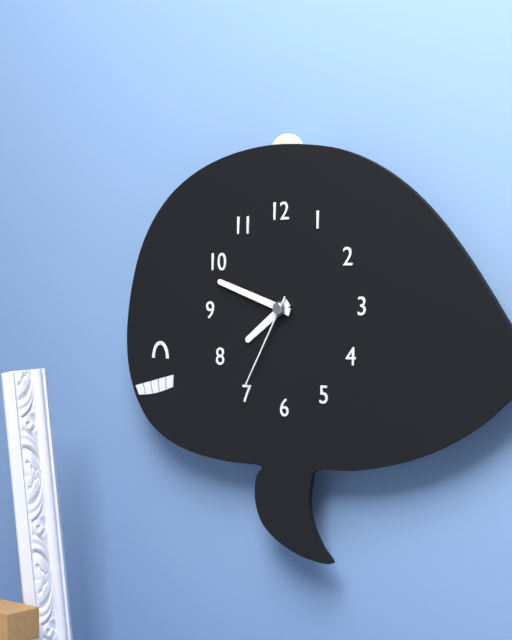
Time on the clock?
7:48:35
